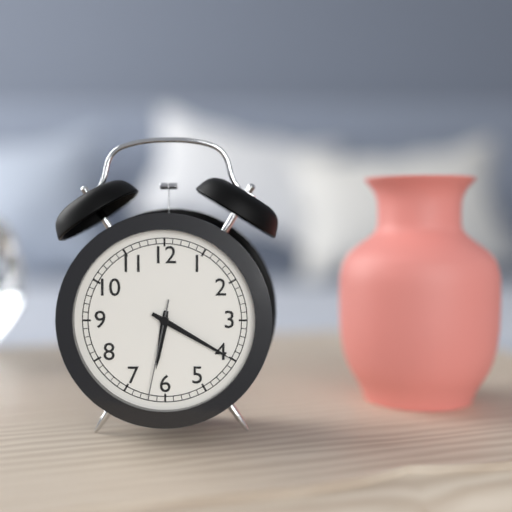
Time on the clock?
6:20:32
